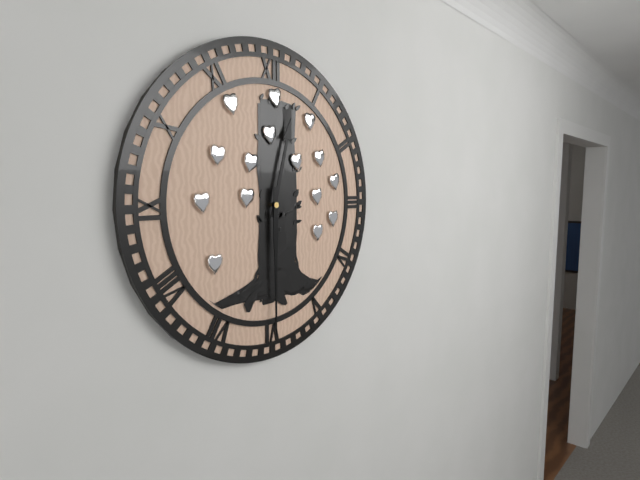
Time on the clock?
12:30
